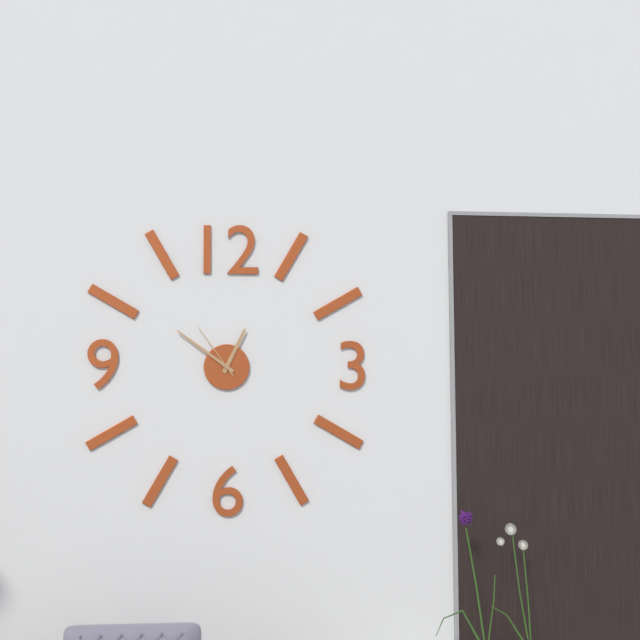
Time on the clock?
12:51:54
